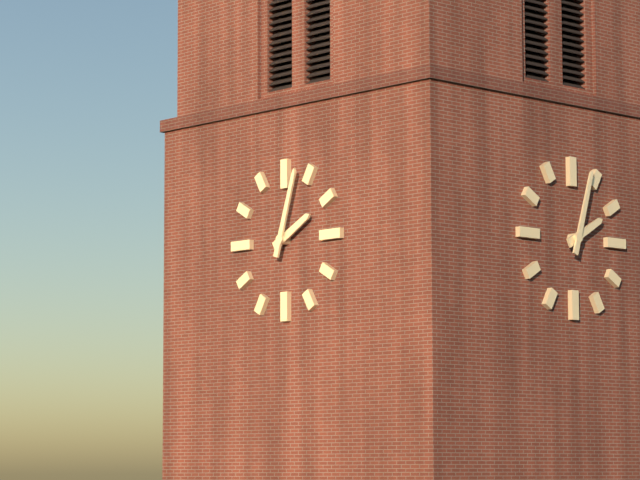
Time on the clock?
2:03
